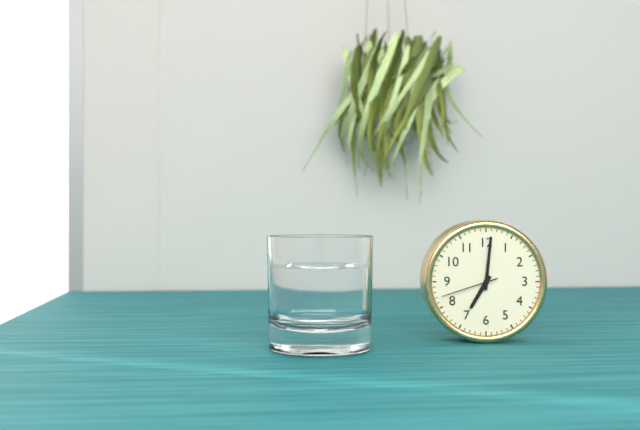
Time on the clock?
7:01:42
